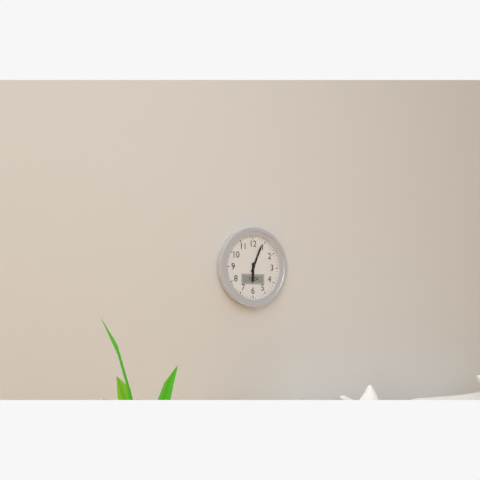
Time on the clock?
6:04
